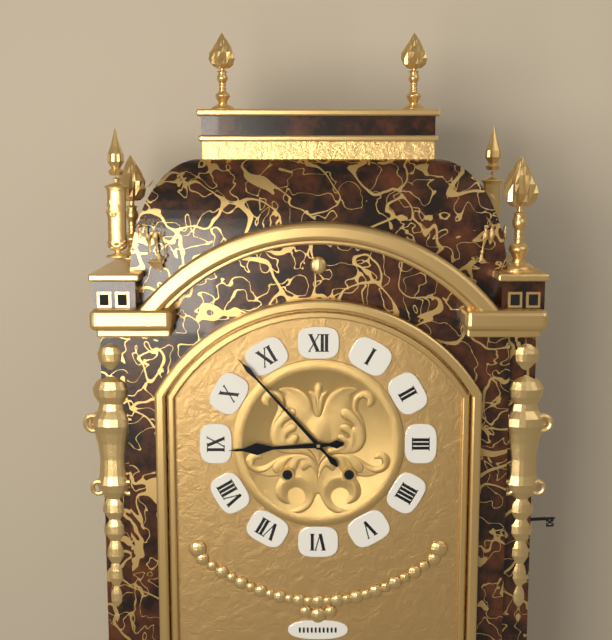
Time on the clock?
8:53
